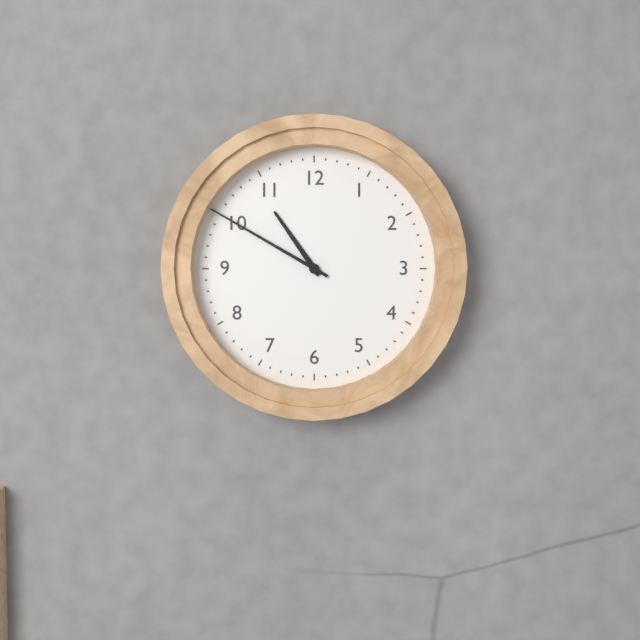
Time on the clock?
10:50
